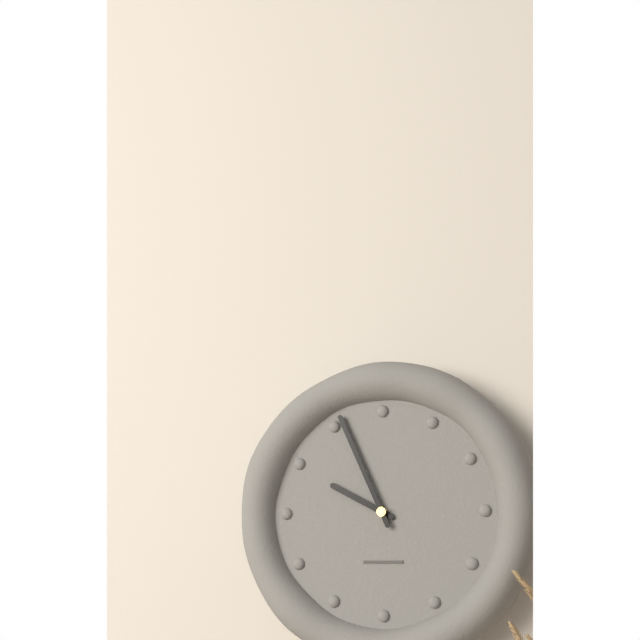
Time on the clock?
9:56
